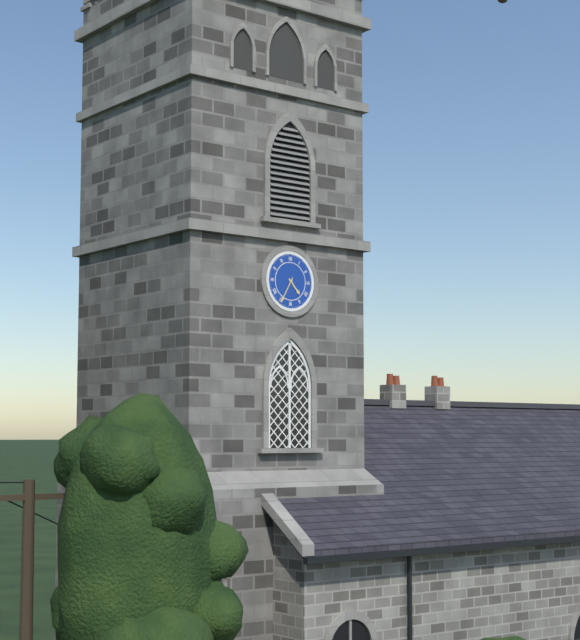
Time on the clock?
4:35
